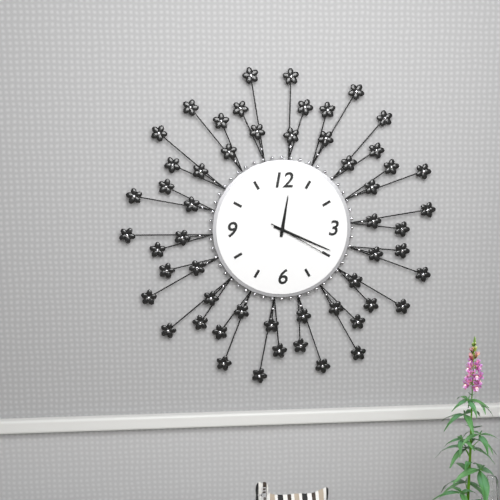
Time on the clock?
12:19:20
